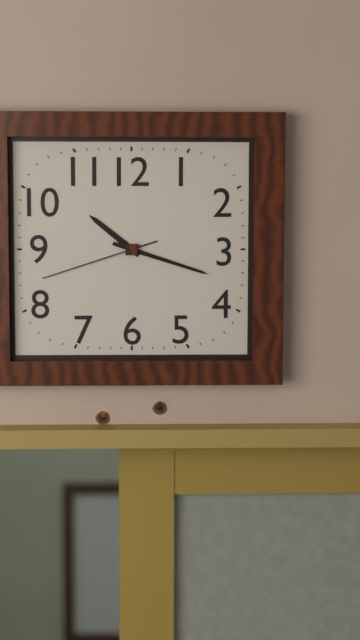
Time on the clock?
10:18:42
